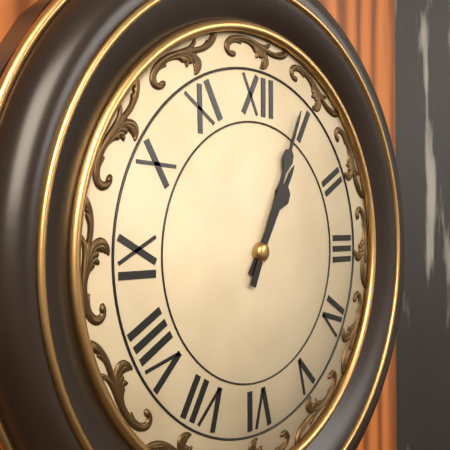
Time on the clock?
1:04
